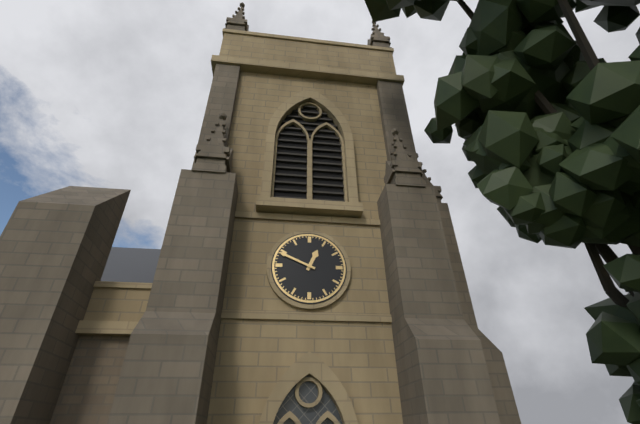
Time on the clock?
12:49
